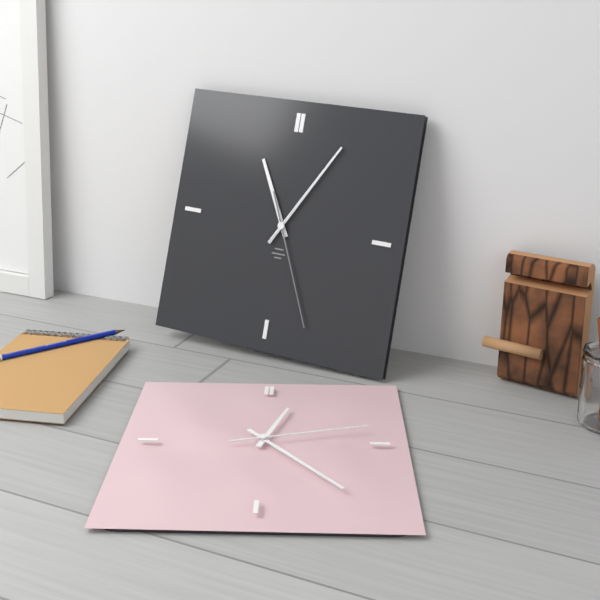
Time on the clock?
11:05:26
